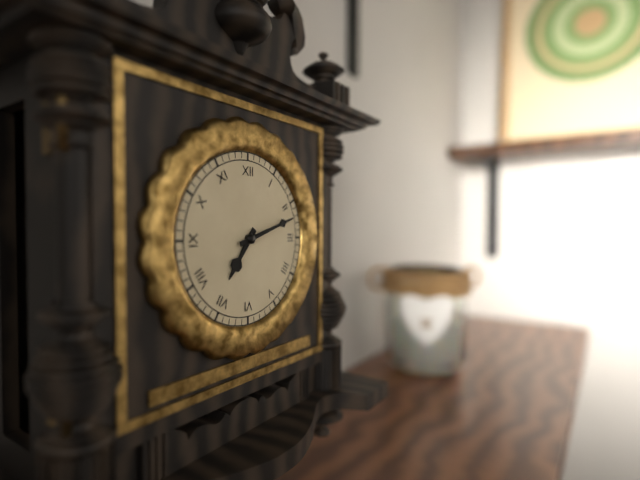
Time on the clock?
7:12
